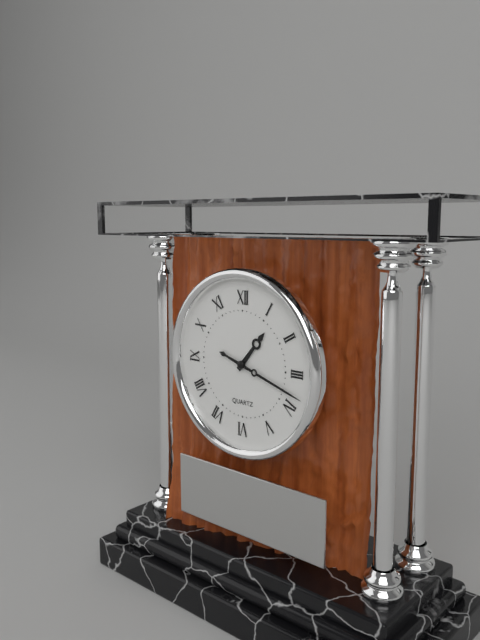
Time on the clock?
1:18
